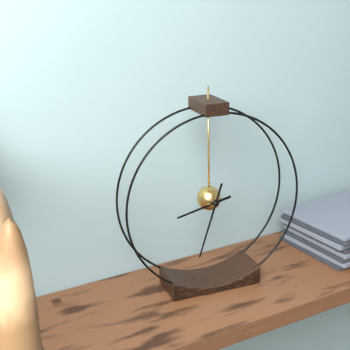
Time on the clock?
8:33
